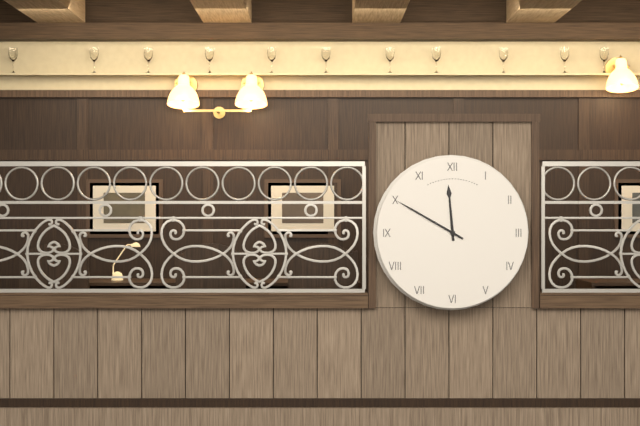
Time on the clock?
11:50
